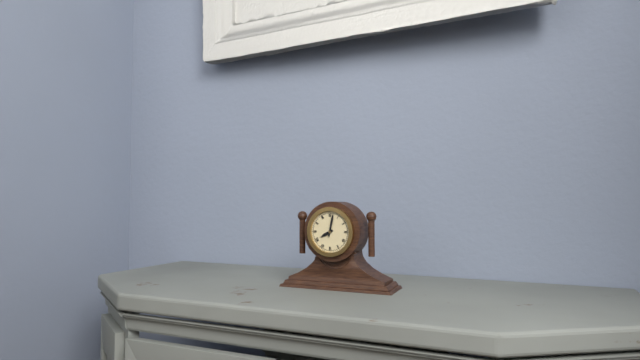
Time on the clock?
8:02
